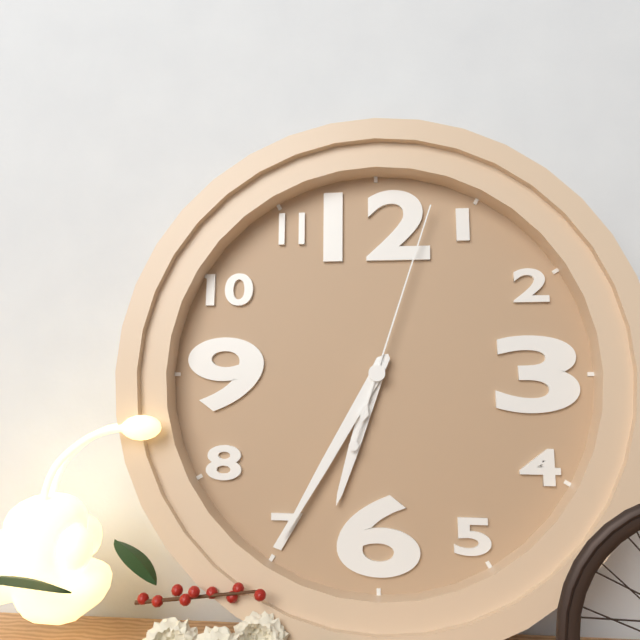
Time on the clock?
6:35:03
